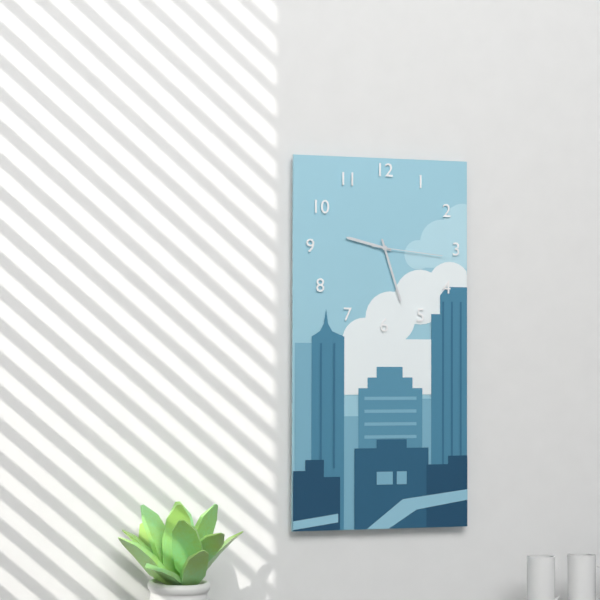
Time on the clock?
9:27:16
